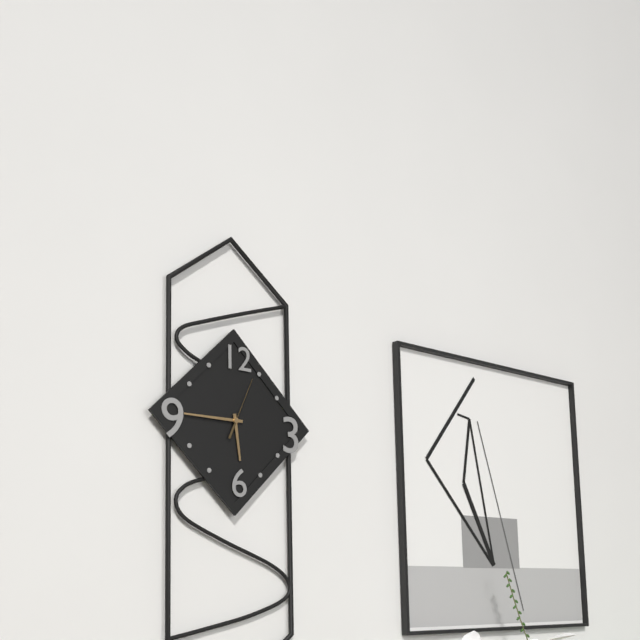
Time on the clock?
5:45:04
